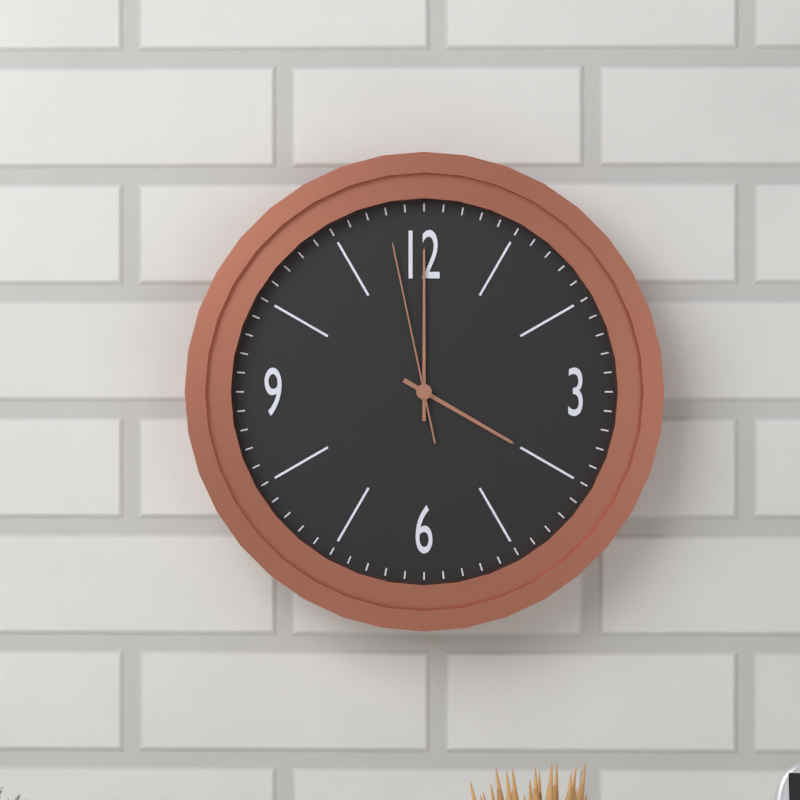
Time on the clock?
4:00:58
